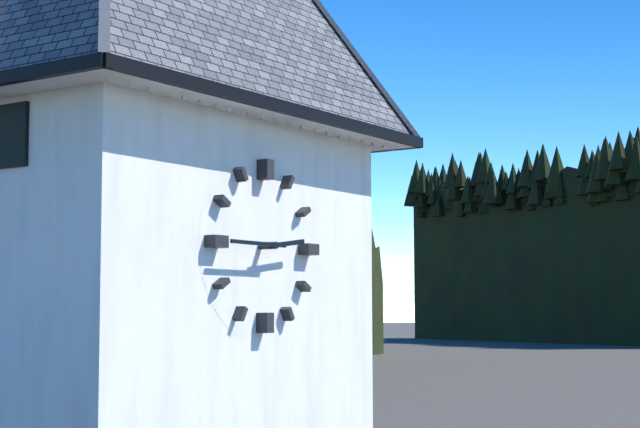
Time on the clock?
2:45
